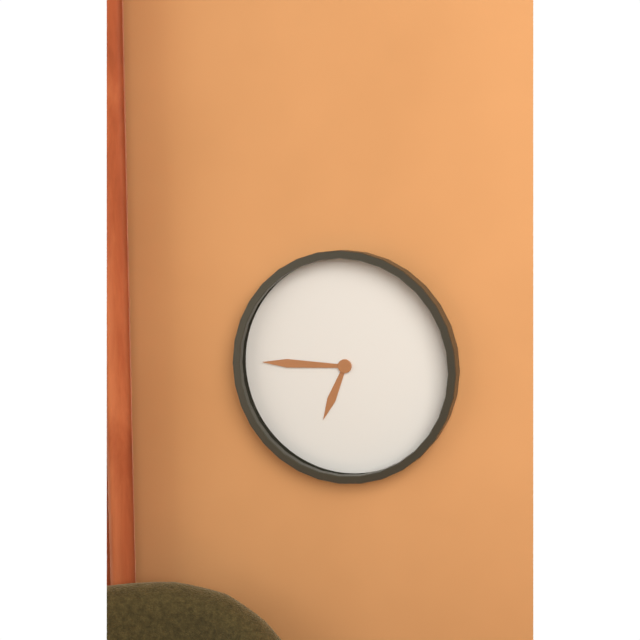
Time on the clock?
6:45
